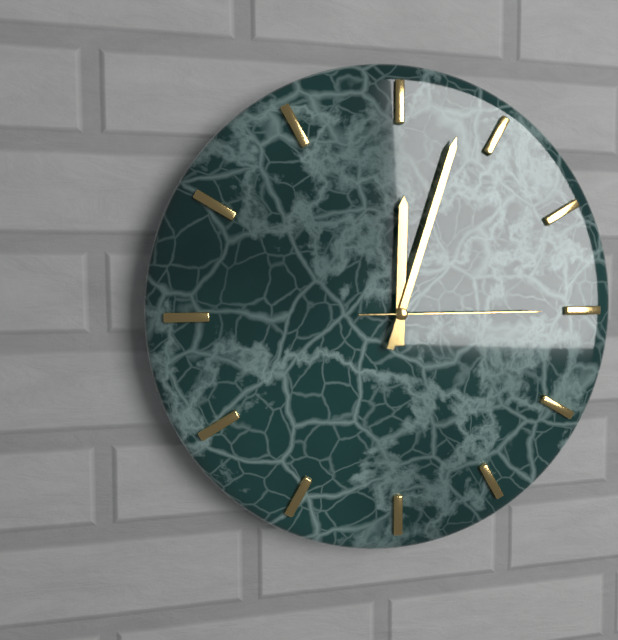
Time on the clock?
12:03:15
